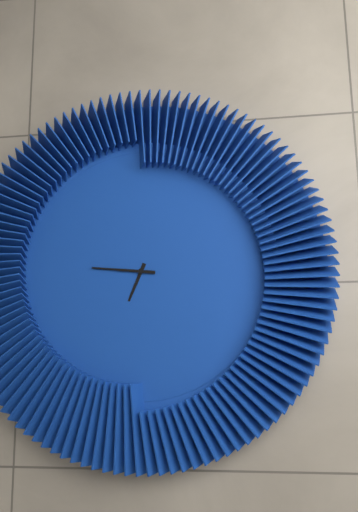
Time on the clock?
6:46
